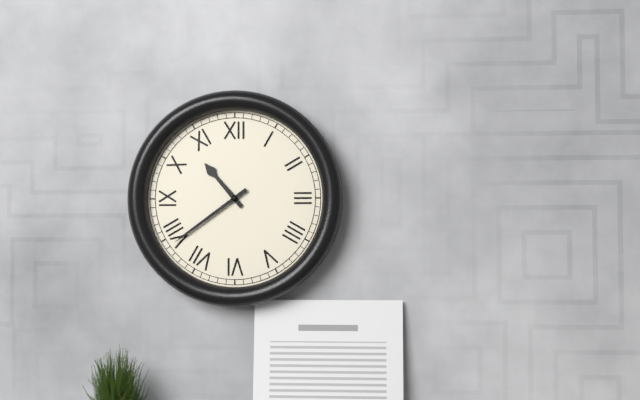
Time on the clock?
10:39
